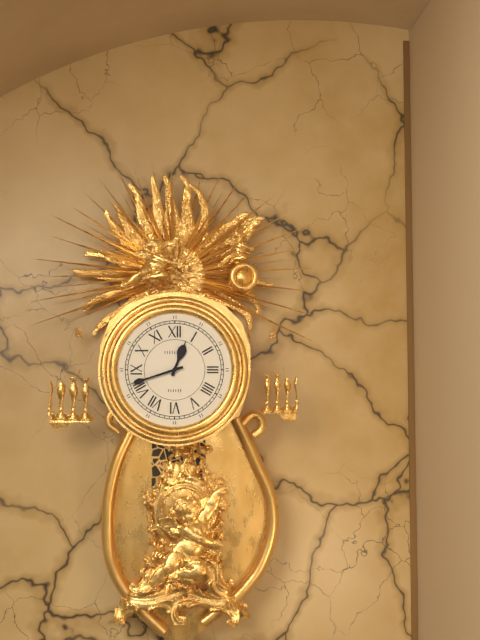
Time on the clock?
12:42
